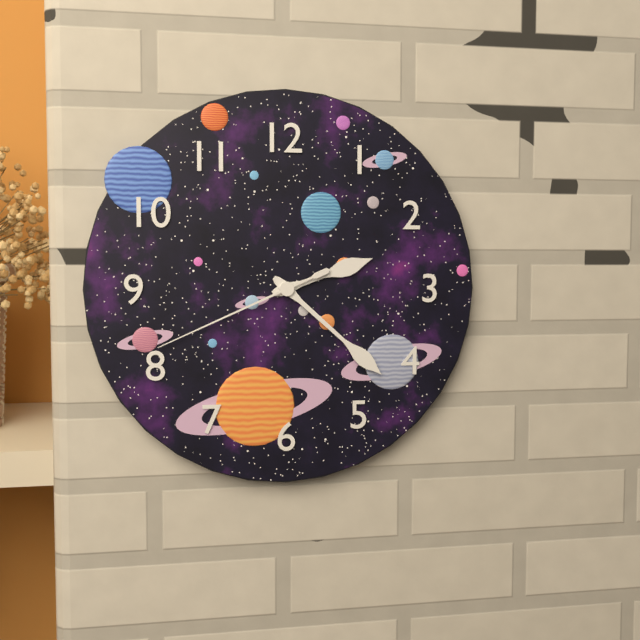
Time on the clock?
2:22:41
